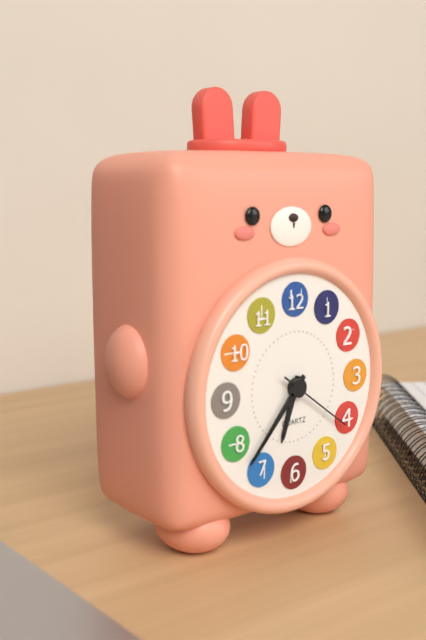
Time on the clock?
6:37:21
